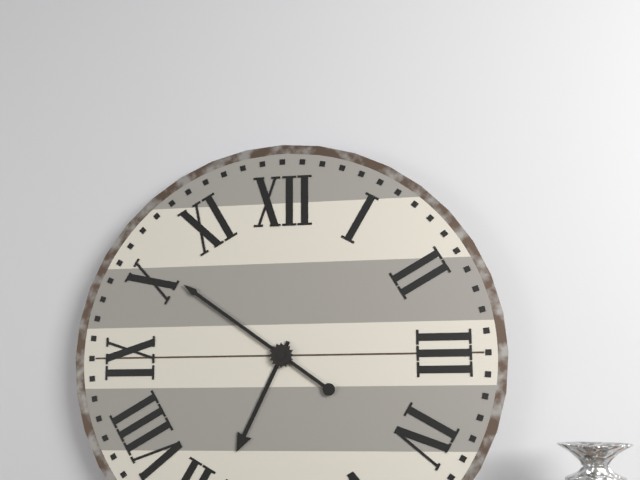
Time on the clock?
6:51
